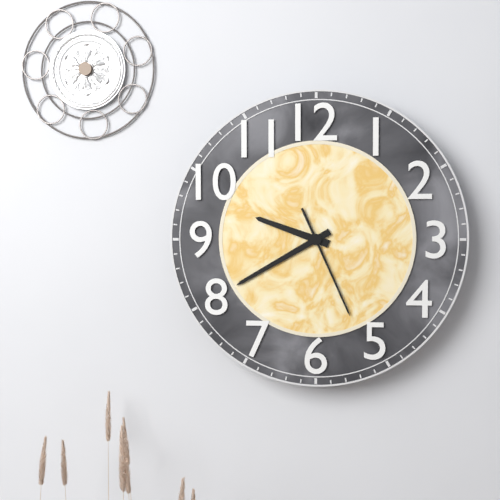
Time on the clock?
9:40:26
